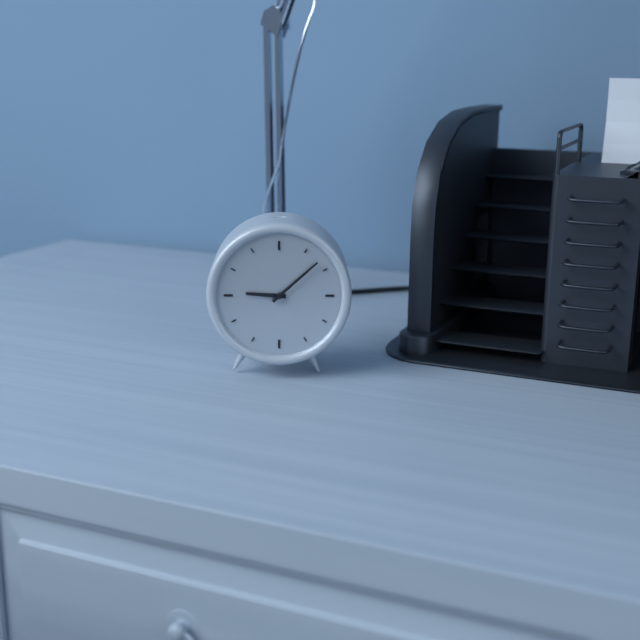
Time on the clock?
9:08
